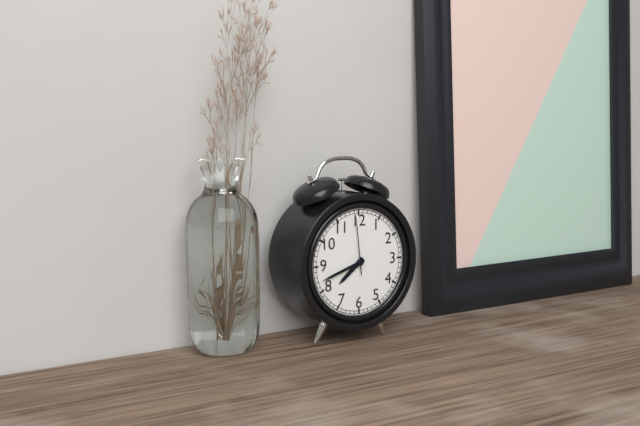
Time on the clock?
7:42:59
